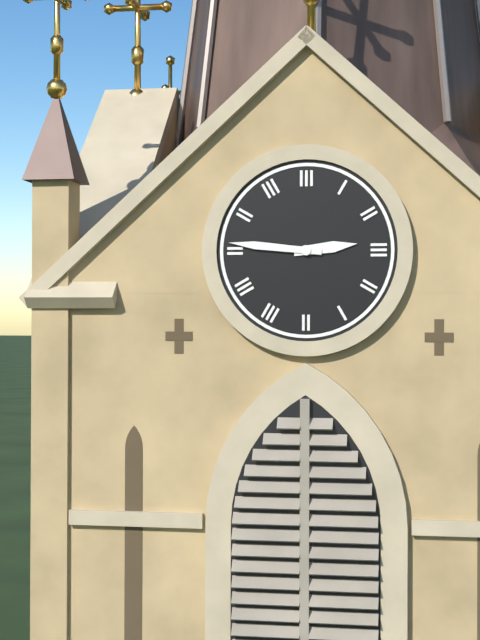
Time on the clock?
2:46
